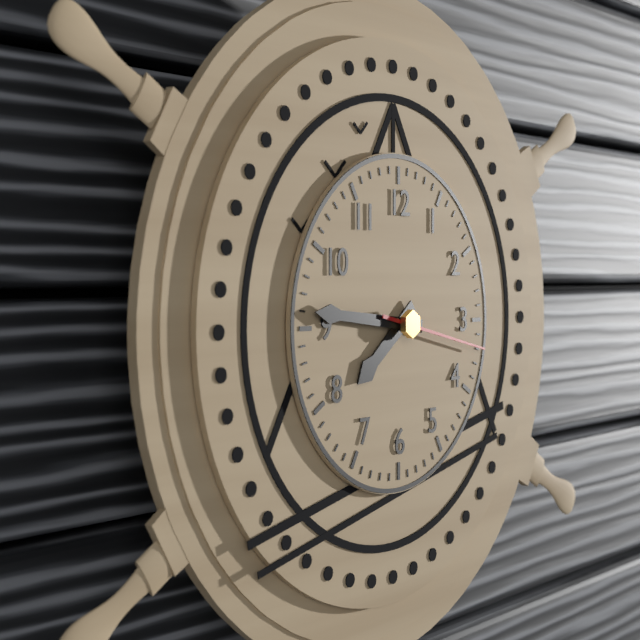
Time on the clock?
7:46:17
